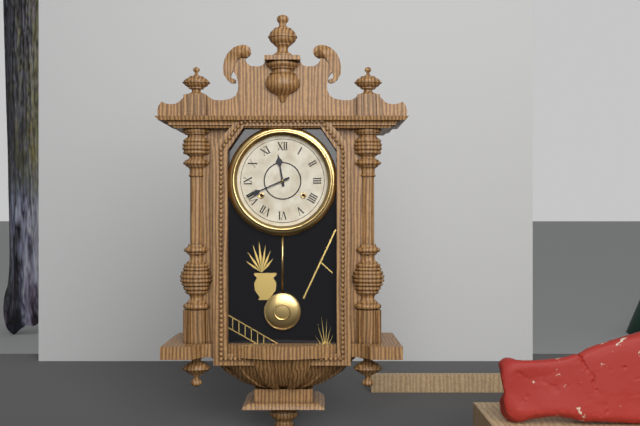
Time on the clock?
11:41
